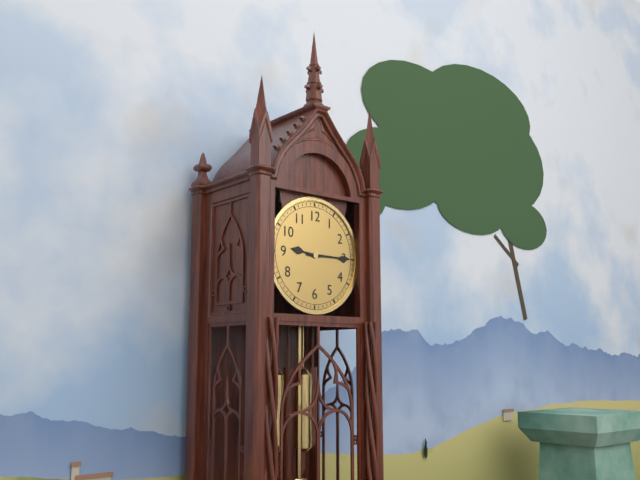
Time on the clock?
9:15
